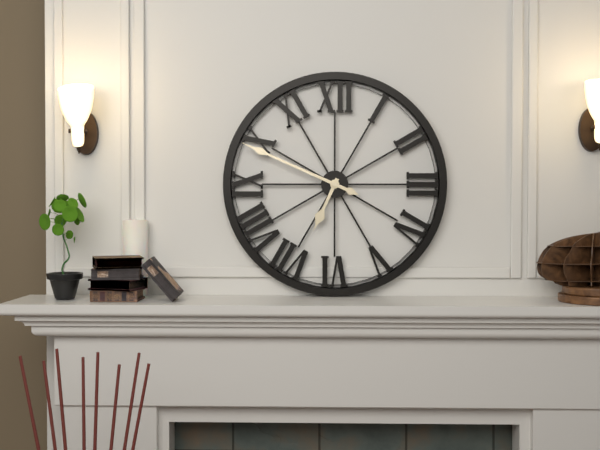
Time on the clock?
6:49
